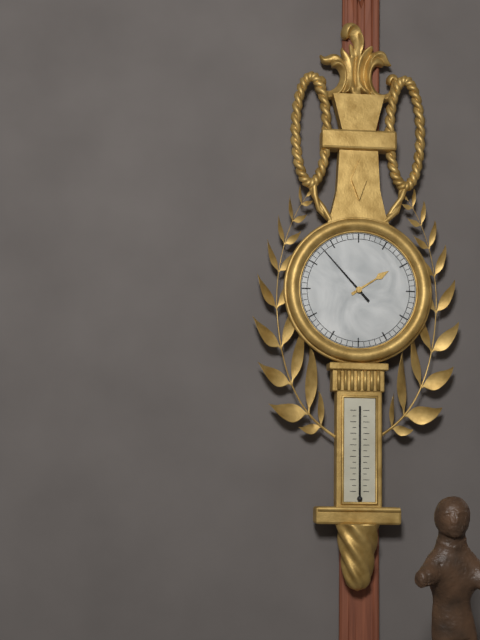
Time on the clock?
1:53
